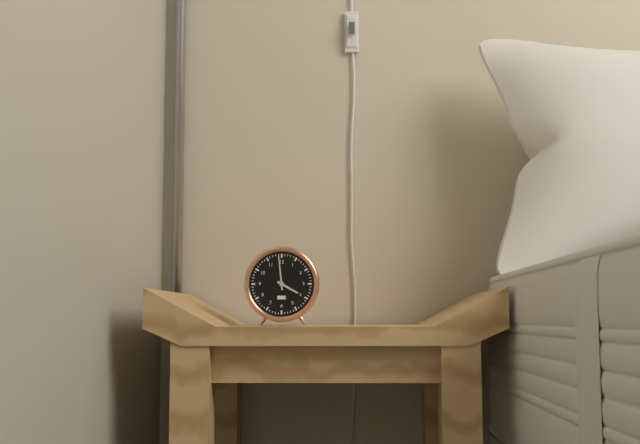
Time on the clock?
3:59
